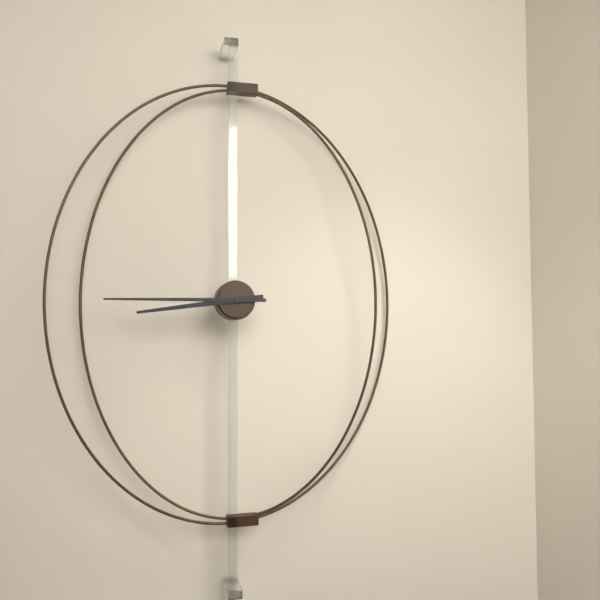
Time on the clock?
8:45
